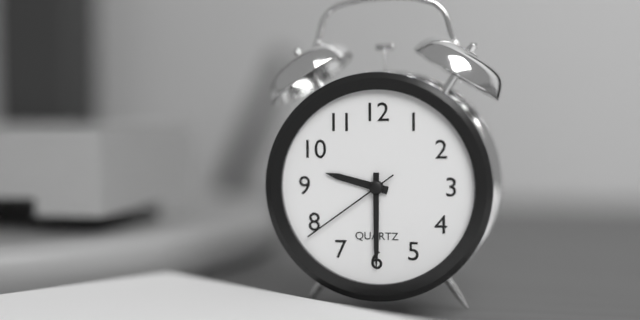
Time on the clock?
9:30:39
